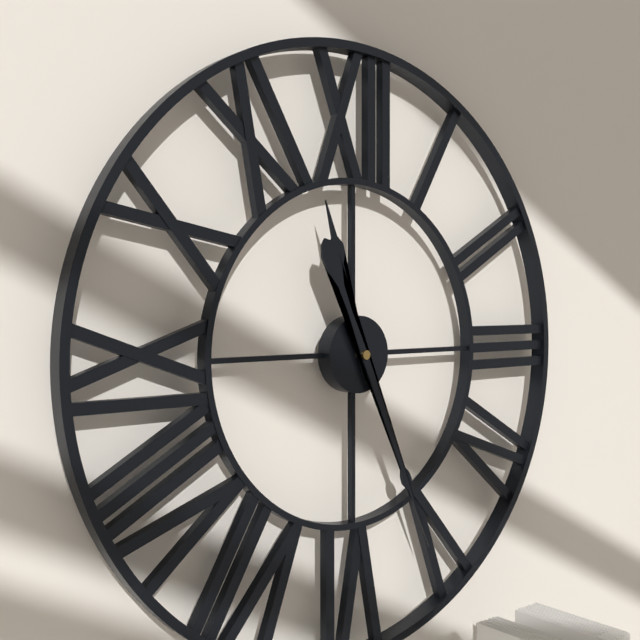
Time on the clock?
11:26
